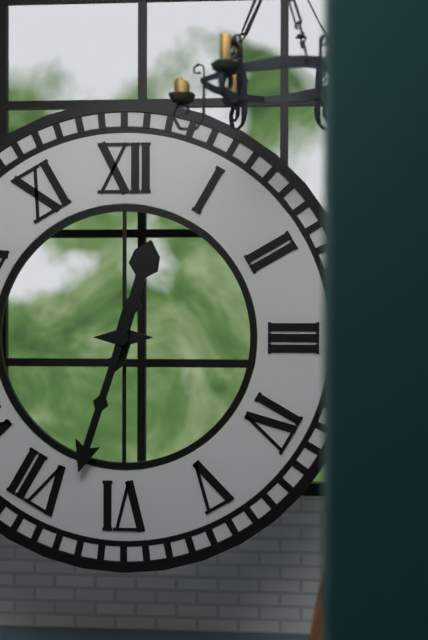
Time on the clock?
12:33
